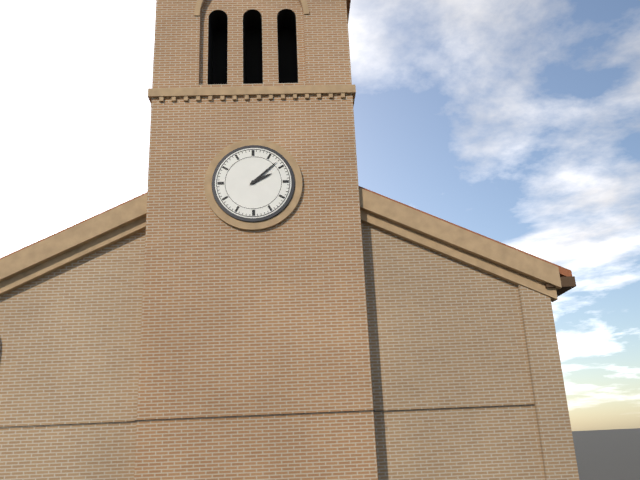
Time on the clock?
2:08
